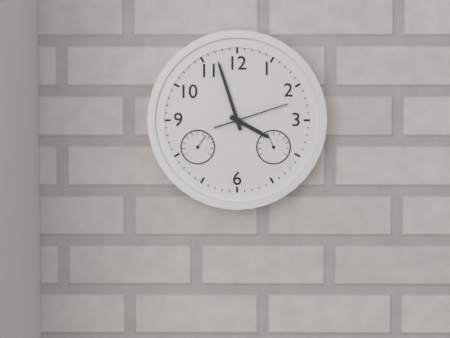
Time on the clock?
3:57:12
